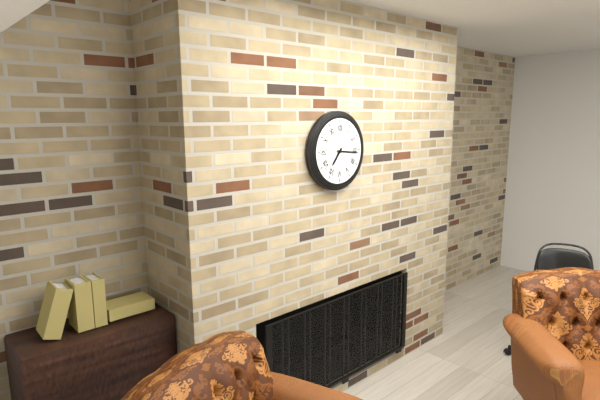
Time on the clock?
7:16
